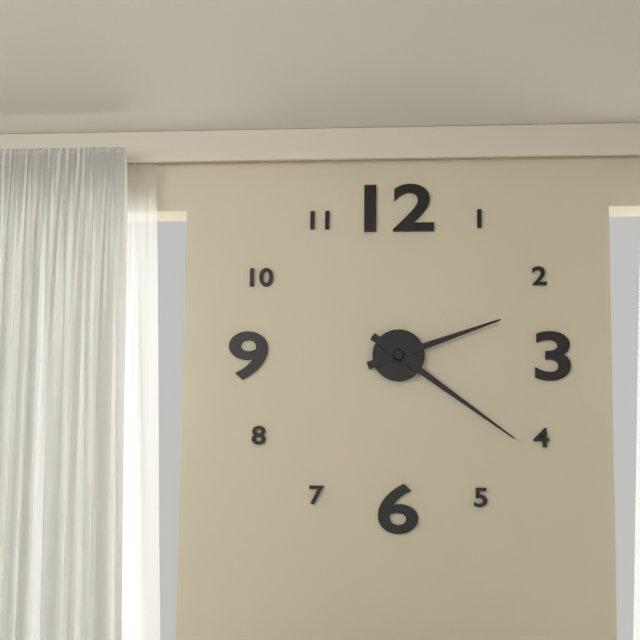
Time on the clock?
2:21
